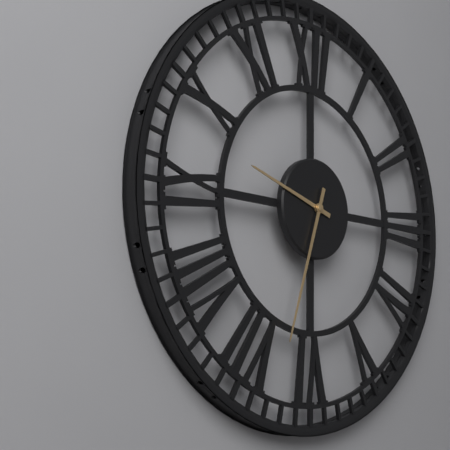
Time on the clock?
9:33
